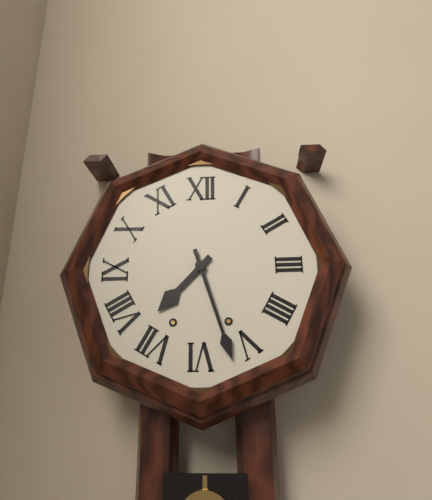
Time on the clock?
7:27
